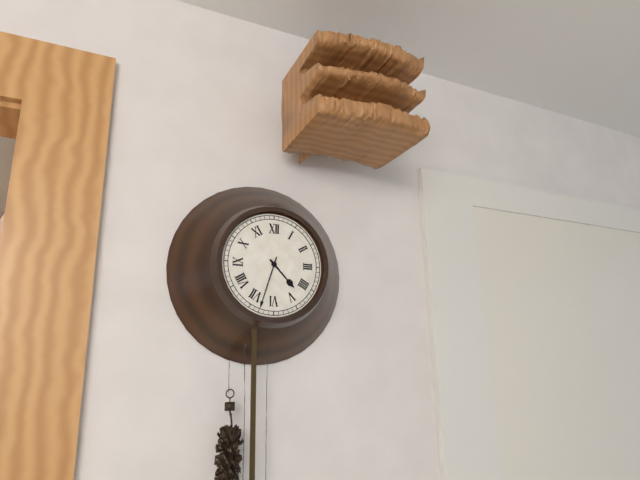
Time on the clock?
4:33
